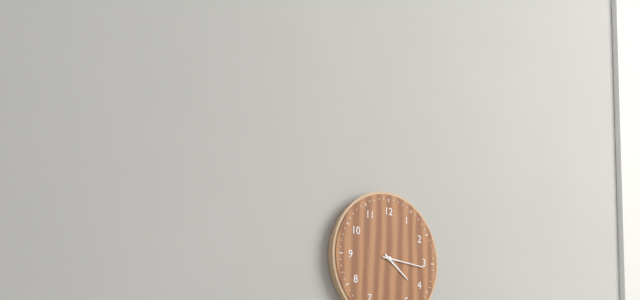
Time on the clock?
4:16
